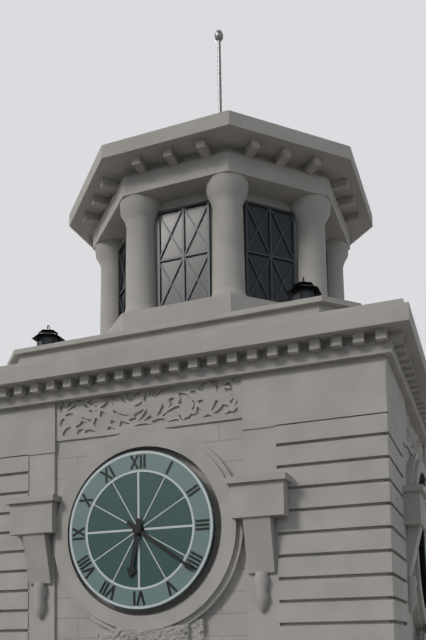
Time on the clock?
6:21
